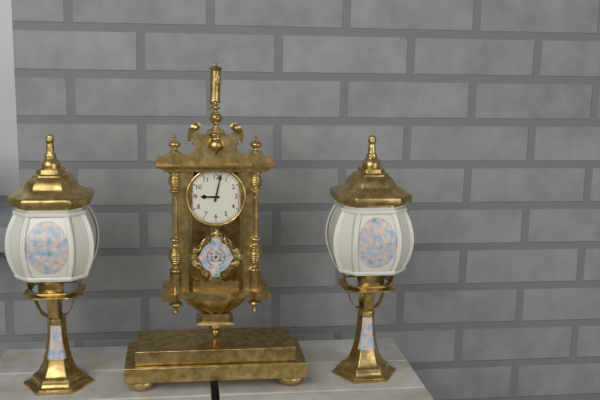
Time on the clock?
9:02
